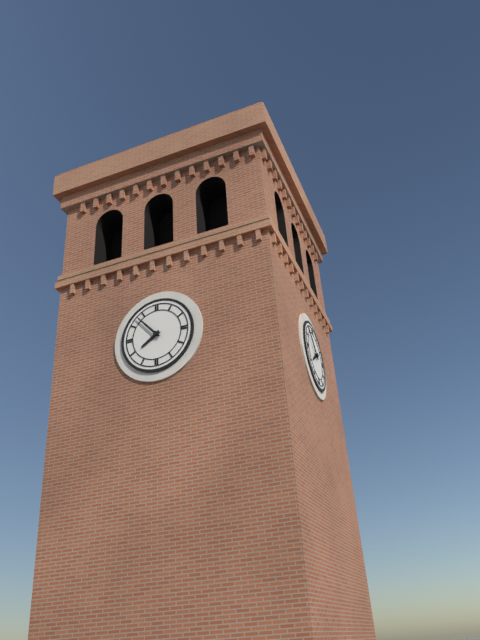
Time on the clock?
7:53
